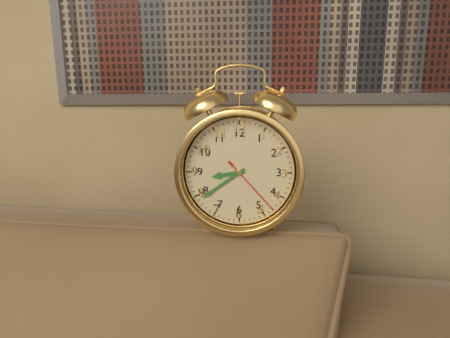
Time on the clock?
8:39:23
